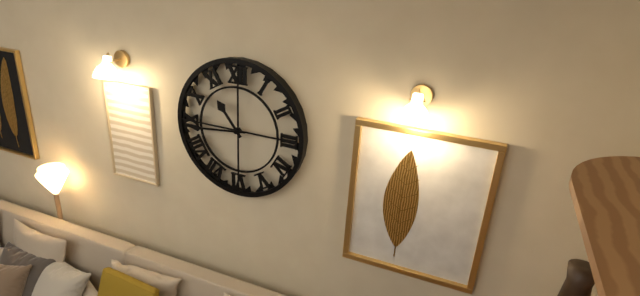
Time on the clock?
10:44
